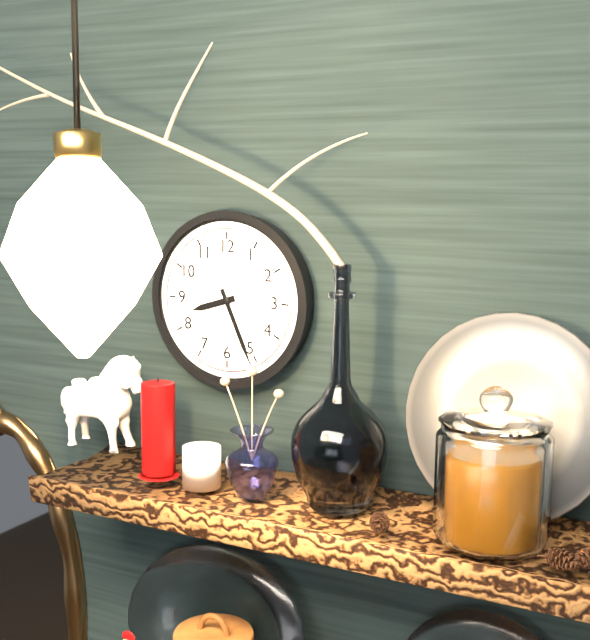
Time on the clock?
8:26
